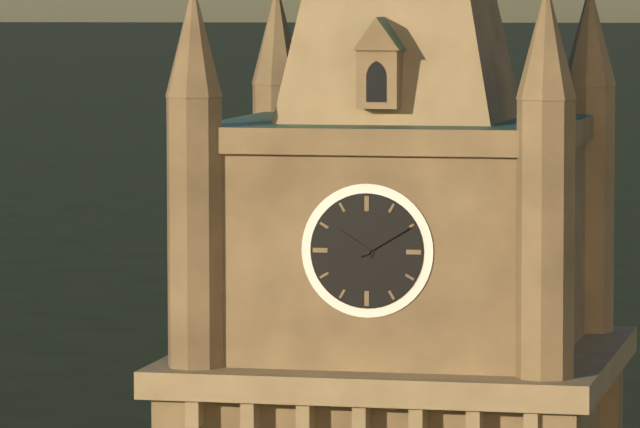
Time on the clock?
10:10
